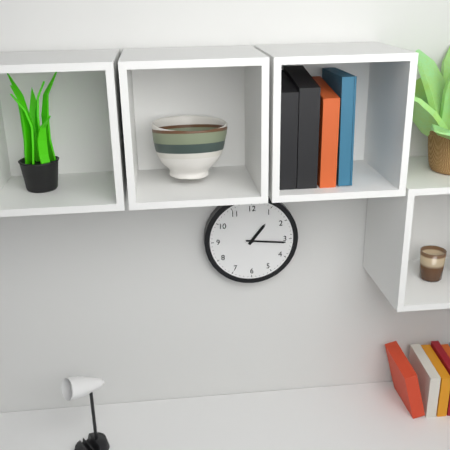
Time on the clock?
1:16
